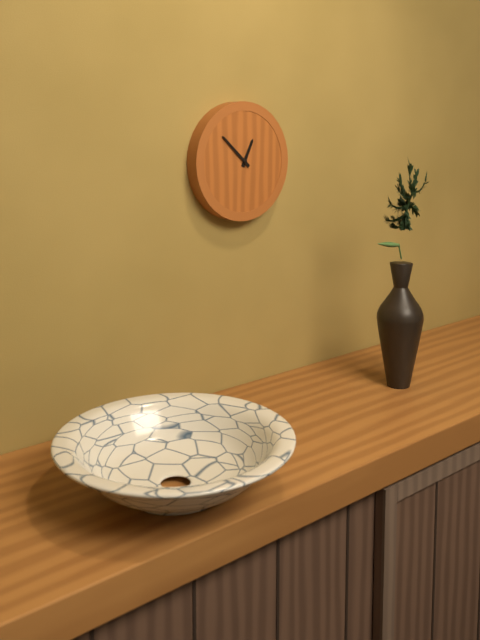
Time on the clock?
12:52
